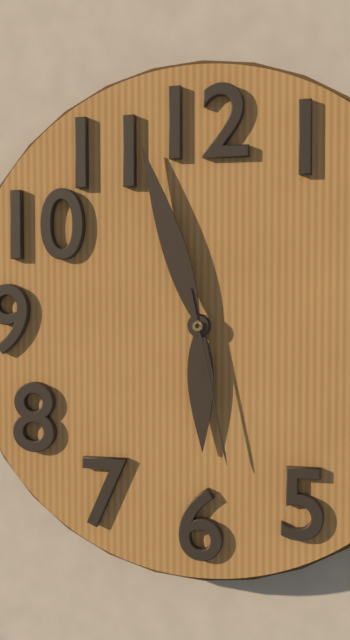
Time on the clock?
5:57:28
